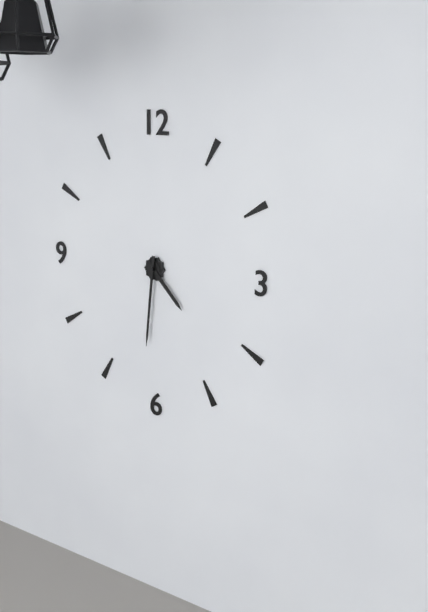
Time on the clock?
4:31
